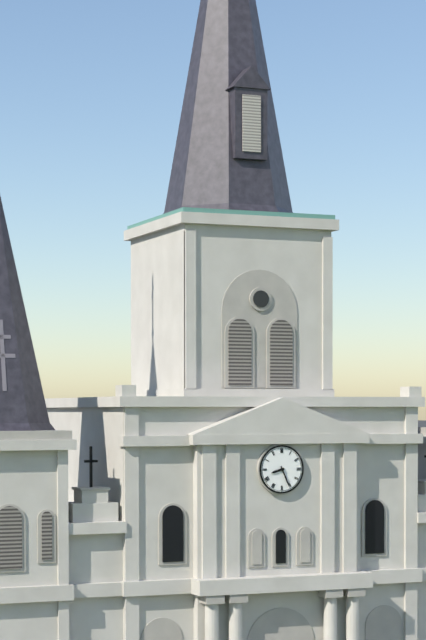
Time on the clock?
8:26
